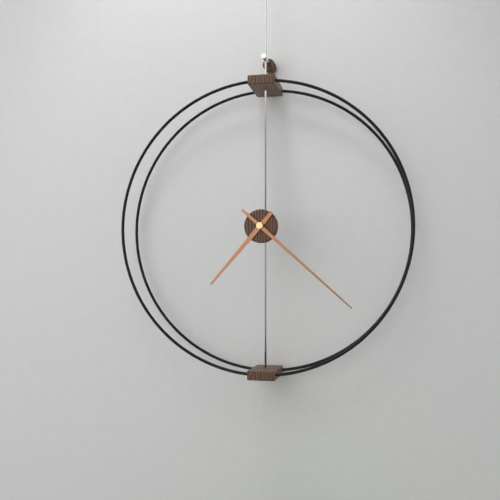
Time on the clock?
7:22
